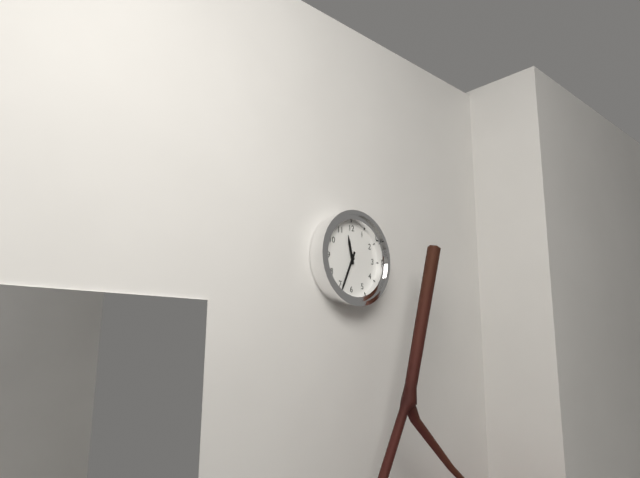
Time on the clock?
11:34
